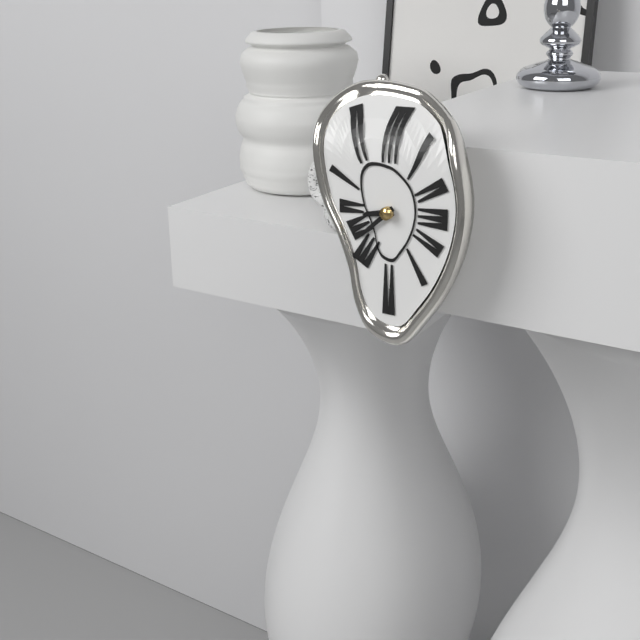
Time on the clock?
8:38
